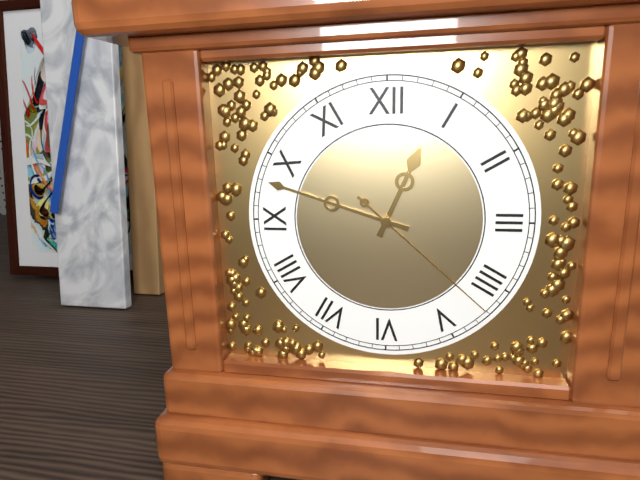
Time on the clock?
12:48:22
